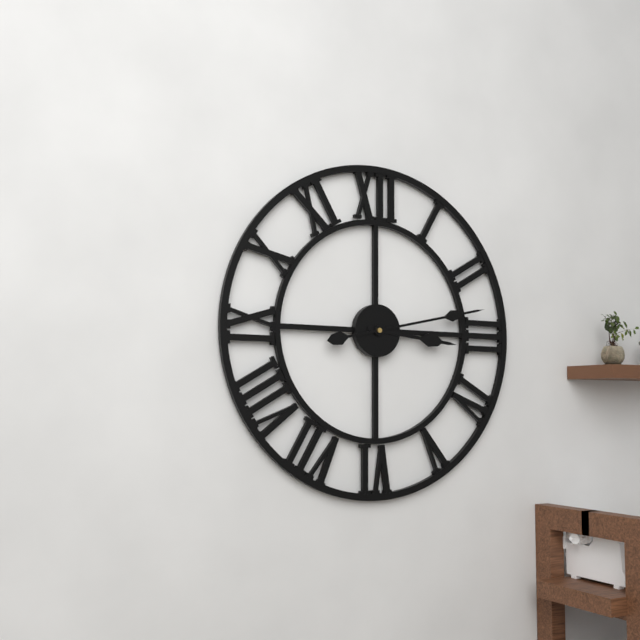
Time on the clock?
3:13
